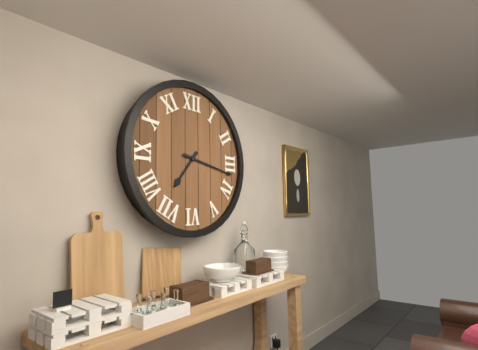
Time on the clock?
7:17
